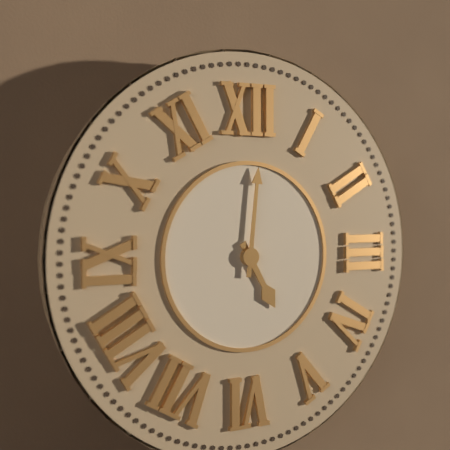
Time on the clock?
5:01
